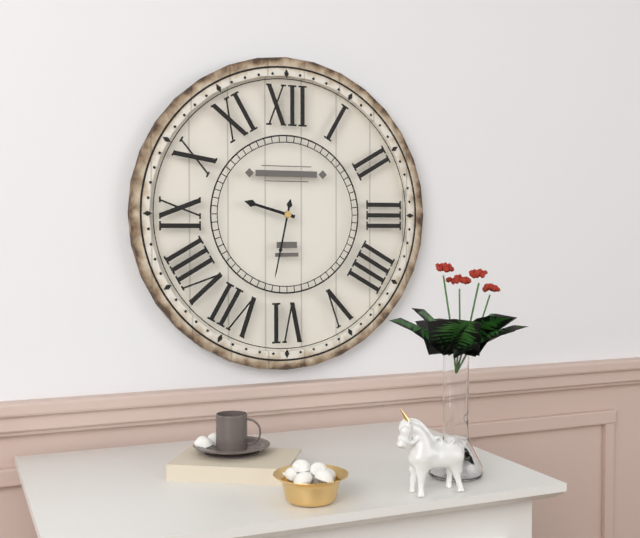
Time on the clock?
9:32
